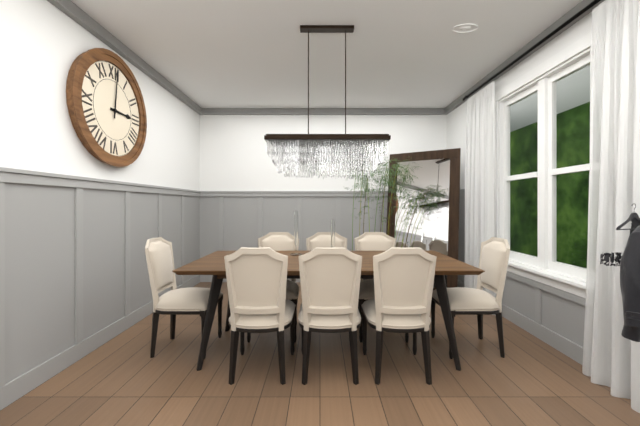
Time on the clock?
3:01
